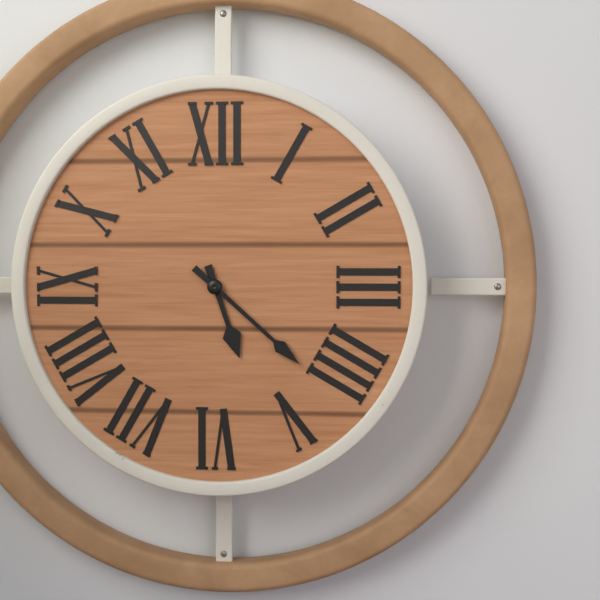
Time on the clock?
5:22
